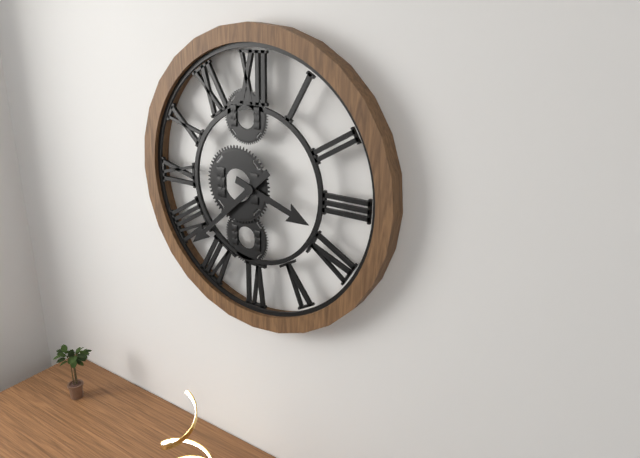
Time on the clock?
3:38
